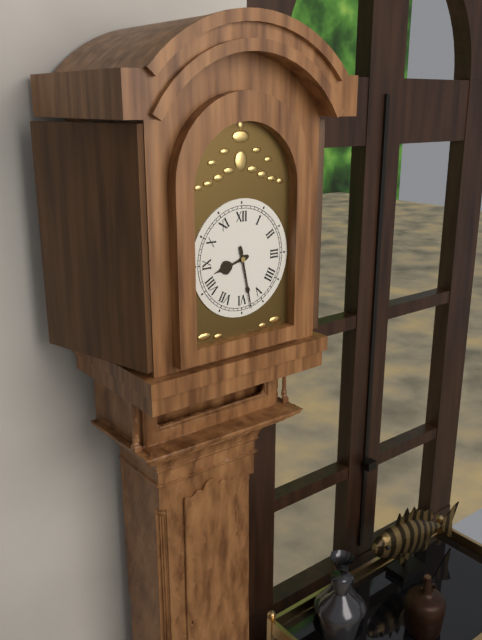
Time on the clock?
8:28
